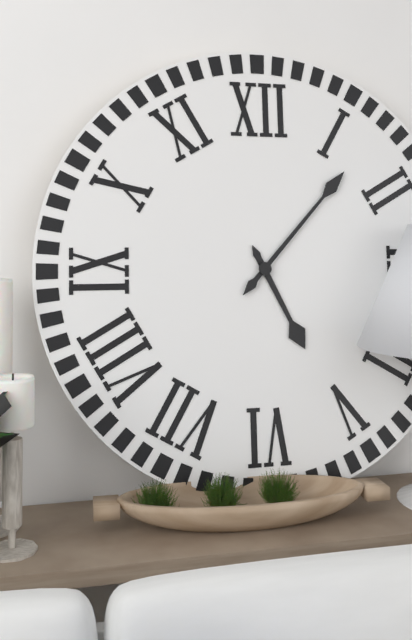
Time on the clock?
5:07
